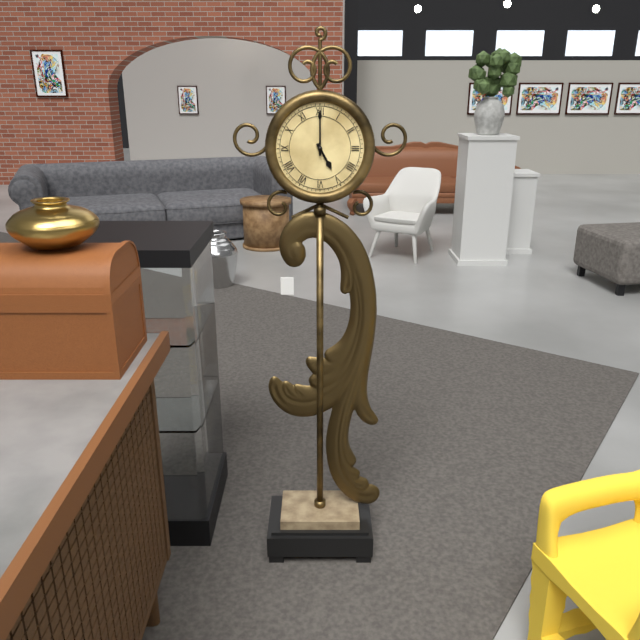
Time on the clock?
5:00
